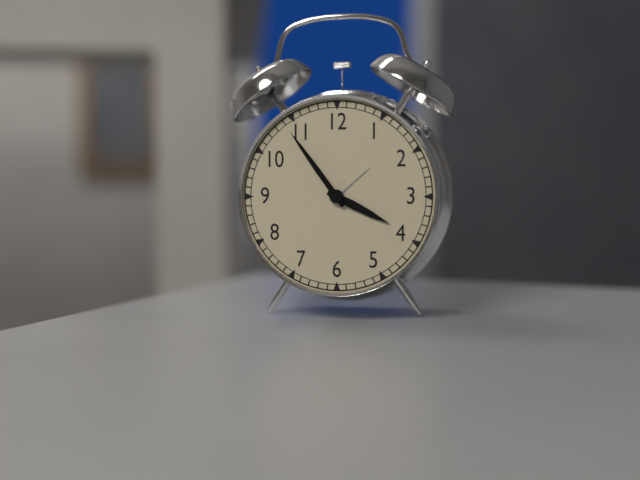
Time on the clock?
3:54
